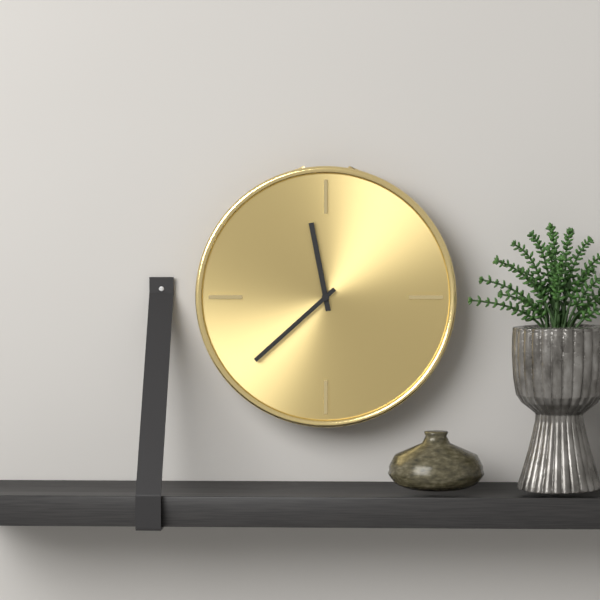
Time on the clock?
11:38
